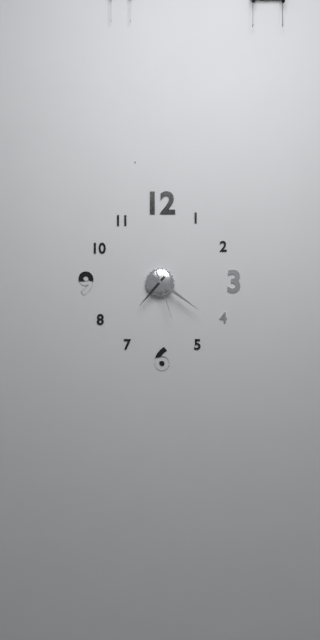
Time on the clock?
7:21:27
